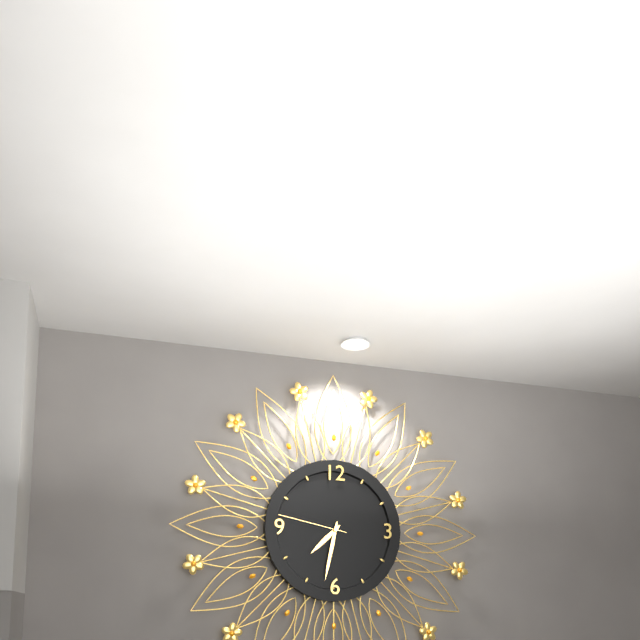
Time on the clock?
7:32:47
